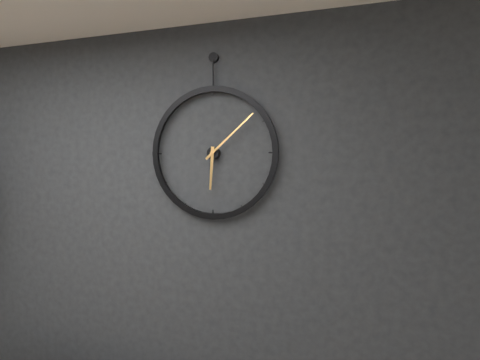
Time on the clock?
6:08
